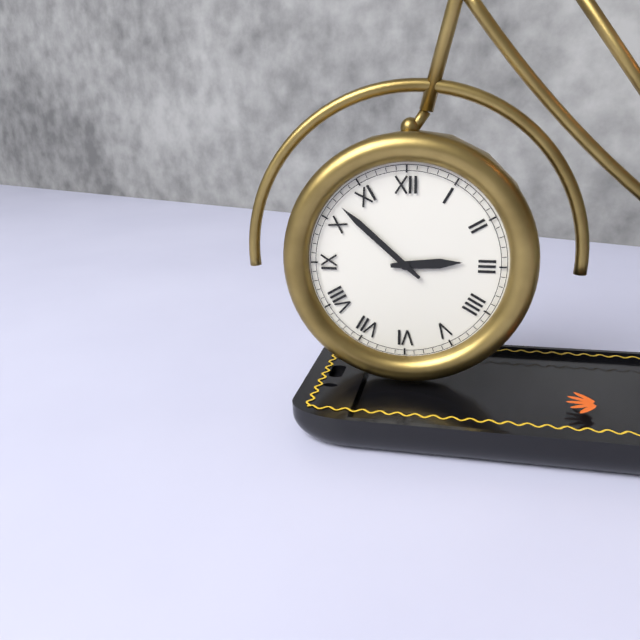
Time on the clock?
2:52
